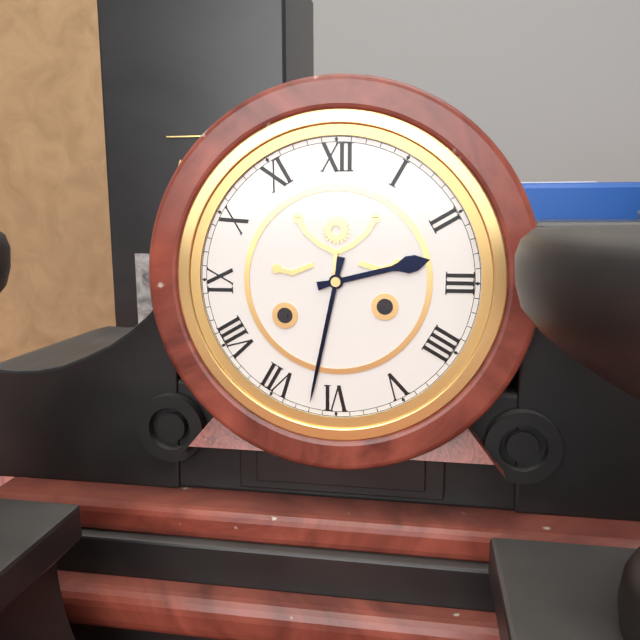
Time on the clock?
2:32
